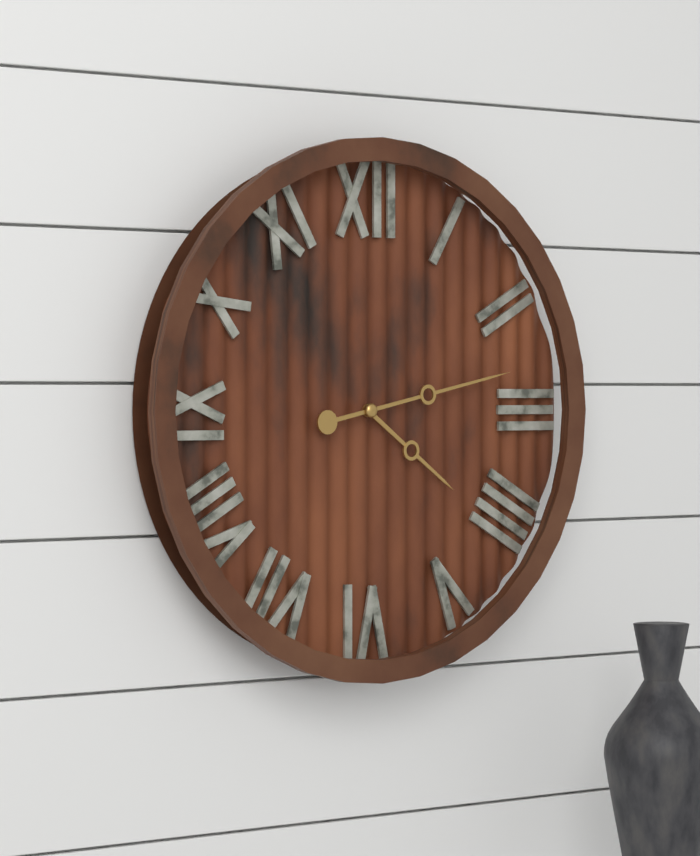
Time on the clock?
4:13
